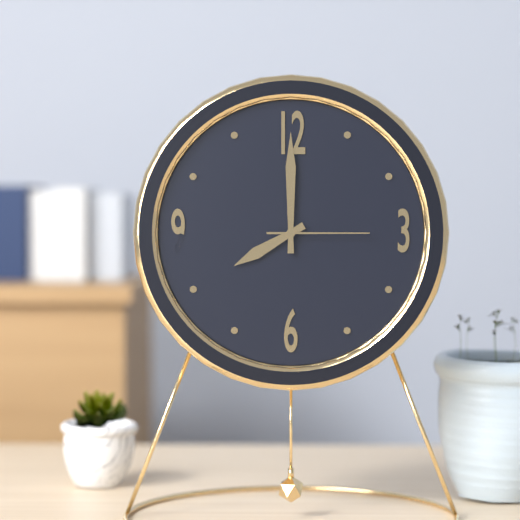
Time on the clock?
8:00:15
